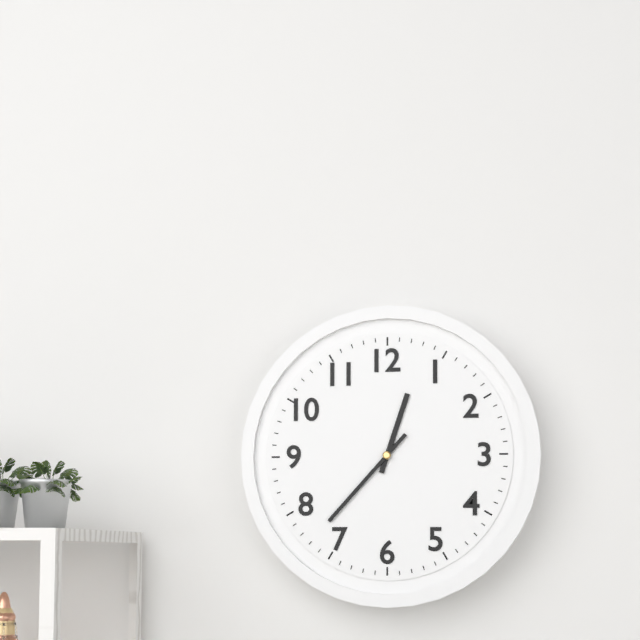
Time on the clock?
12:37
